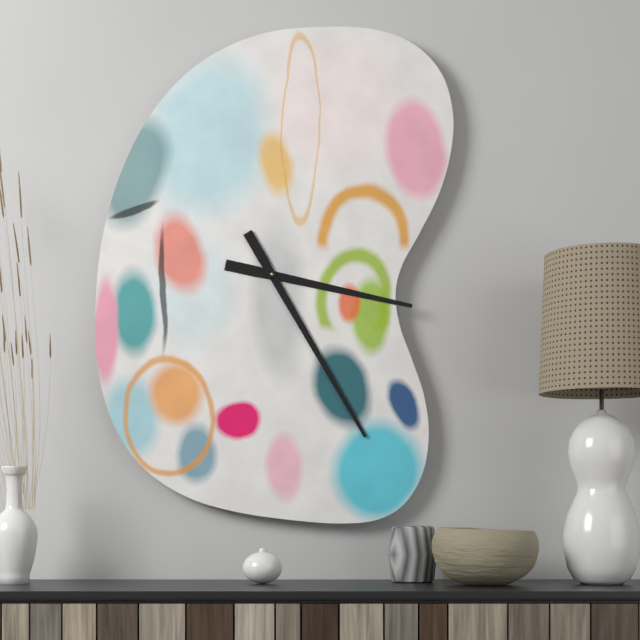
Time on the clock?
3:25
